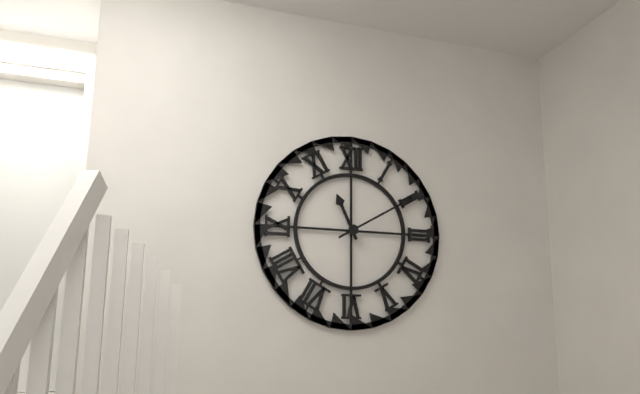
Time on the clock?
11:10
